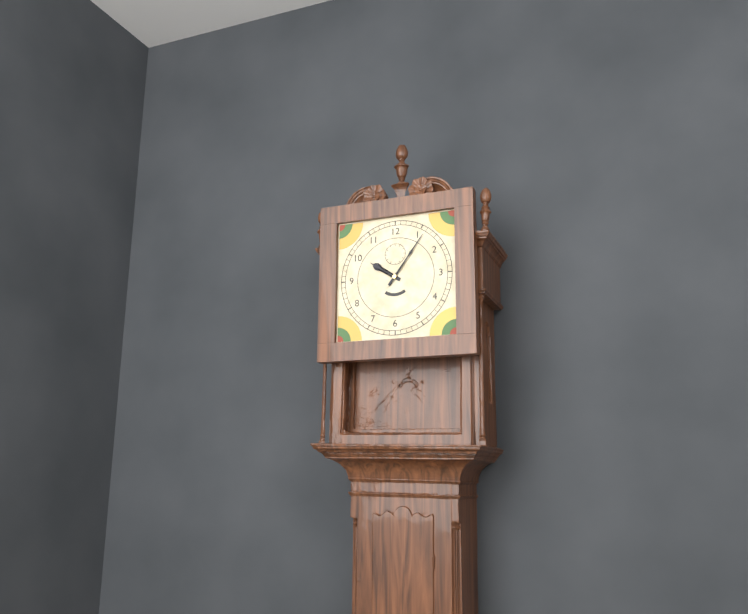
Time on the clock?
10:06
